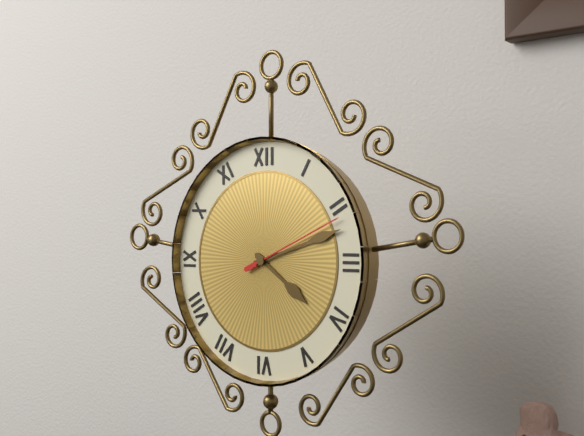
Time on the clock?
4:12:11
